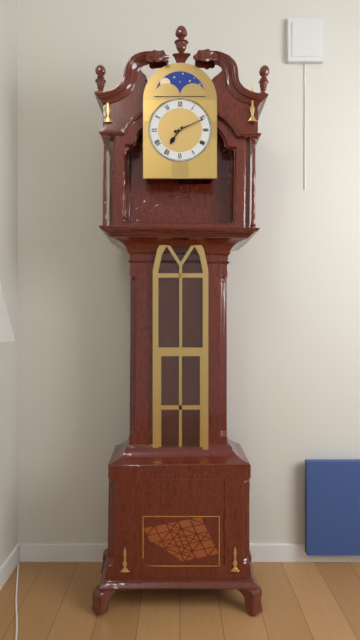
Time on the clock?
7:11
